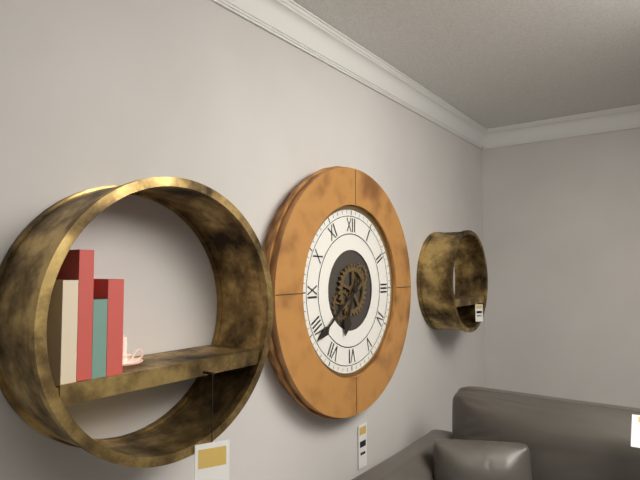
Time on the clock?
6:39
